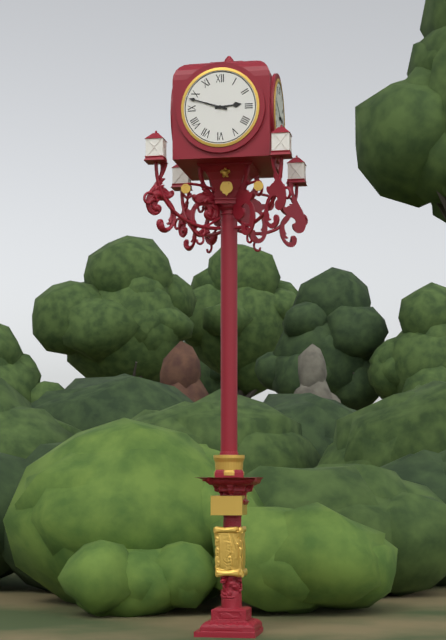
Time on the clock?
2:48
